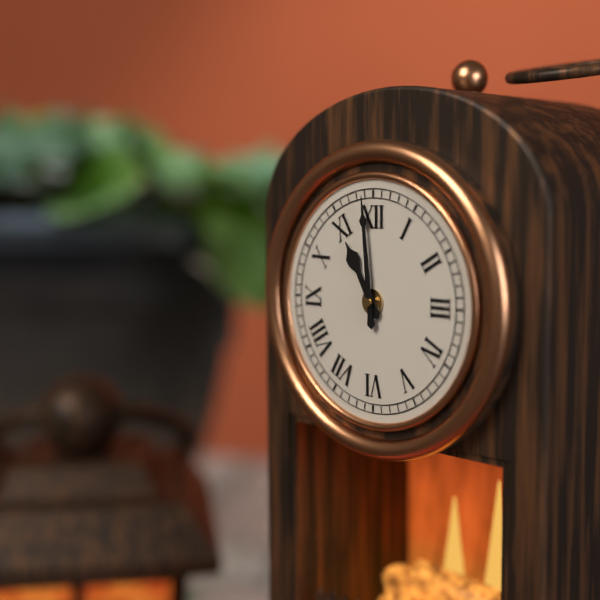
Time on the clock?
10:59
